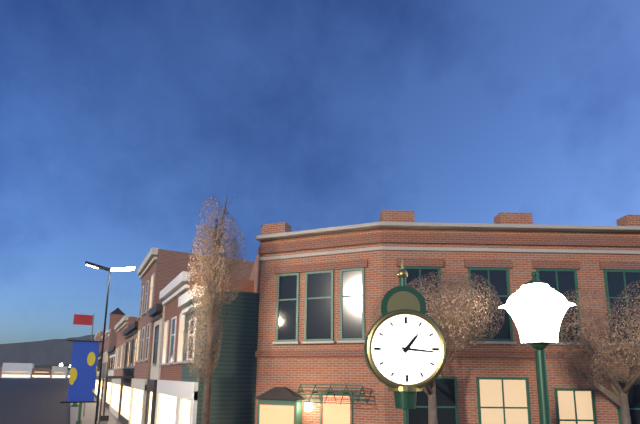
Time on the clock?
1:16
